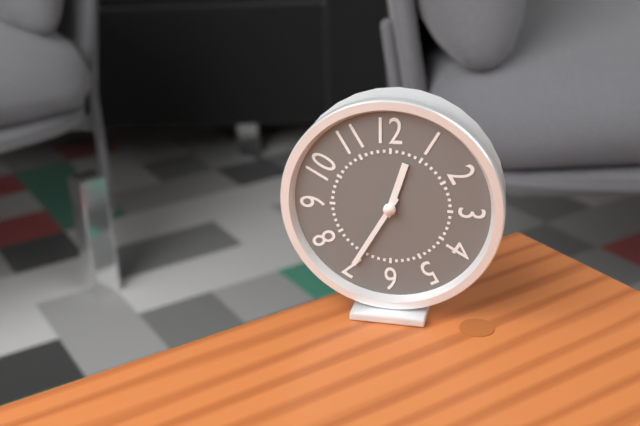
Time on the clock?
12:35
